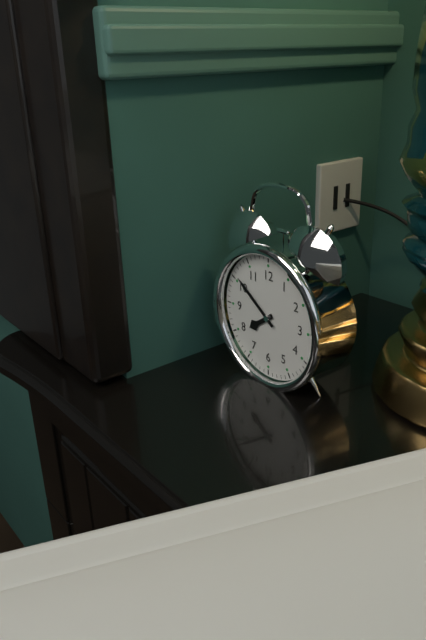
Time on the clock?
7:51
